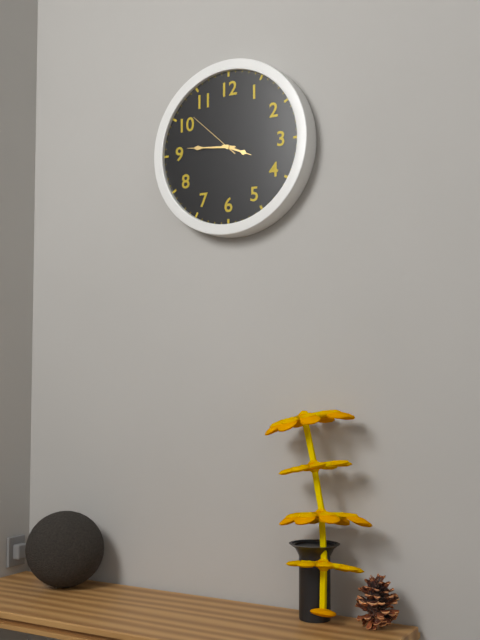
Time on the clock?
3:46:52
